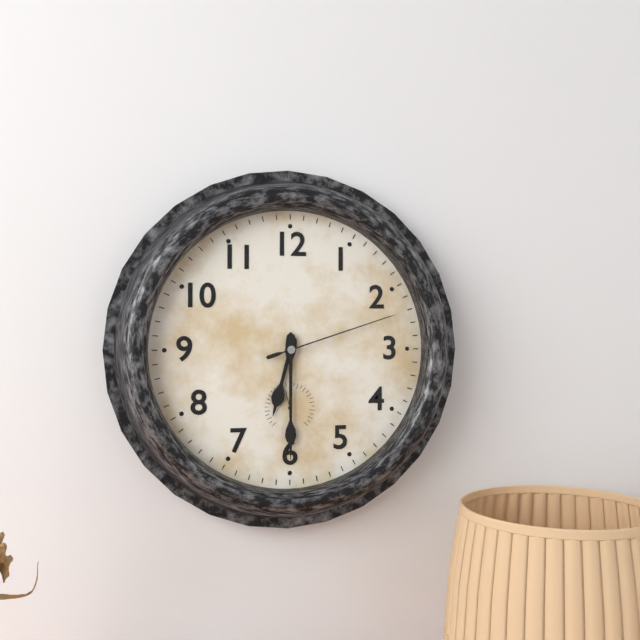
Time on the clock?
6:30:12
